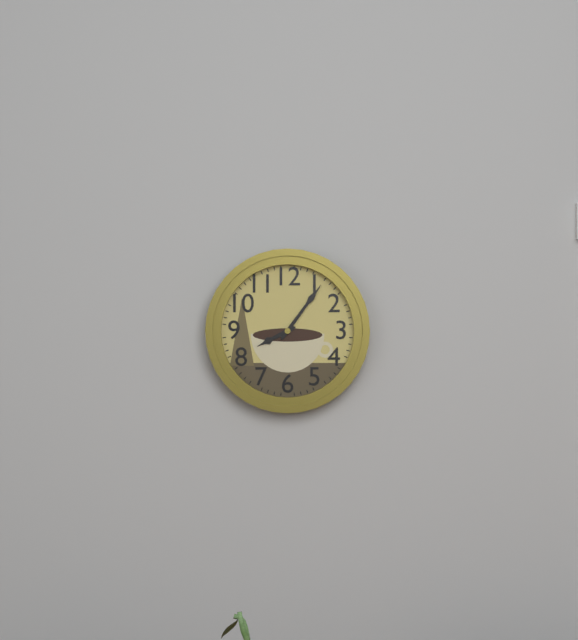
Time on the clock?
8:06
